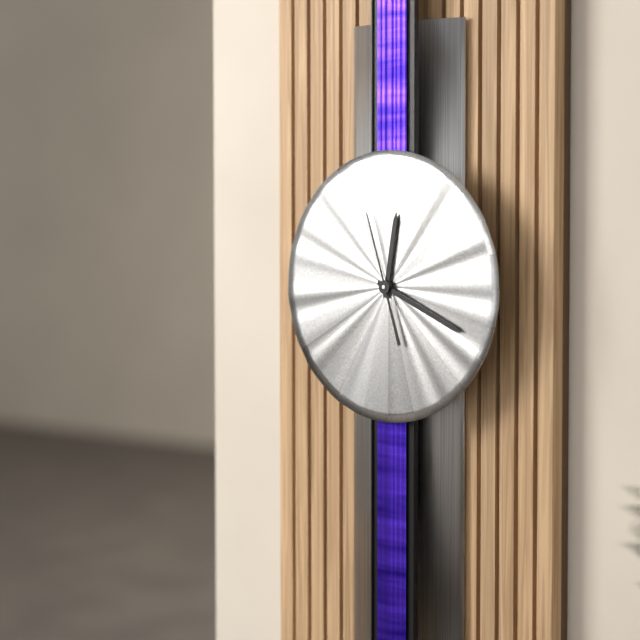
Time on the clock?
12:19:57
